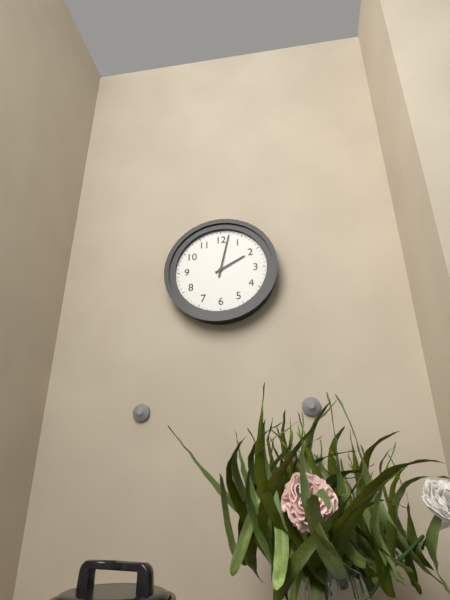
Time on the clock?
2:02
